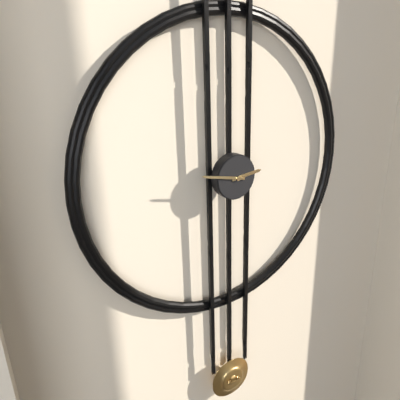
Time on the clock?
2:47
